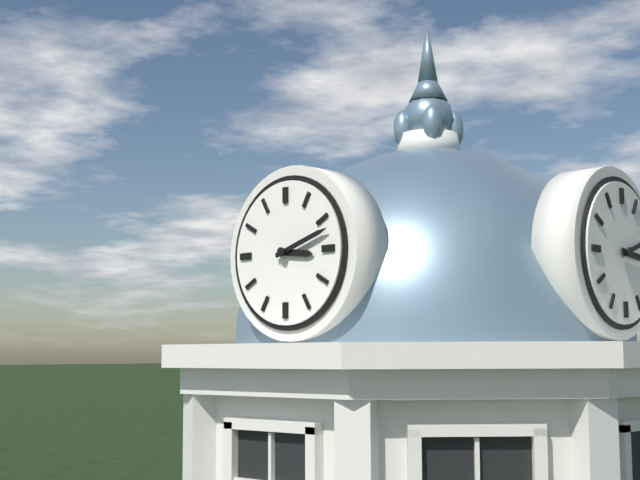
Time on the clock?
3:12
